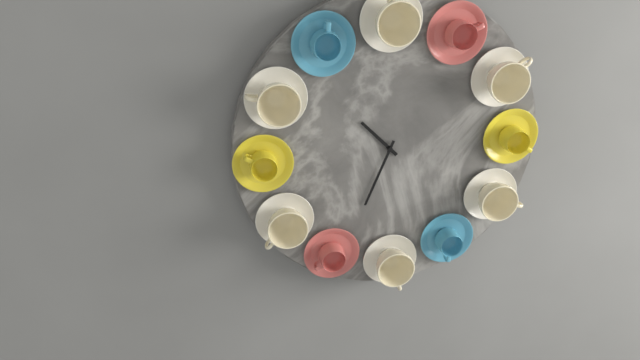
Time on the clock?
10:34
